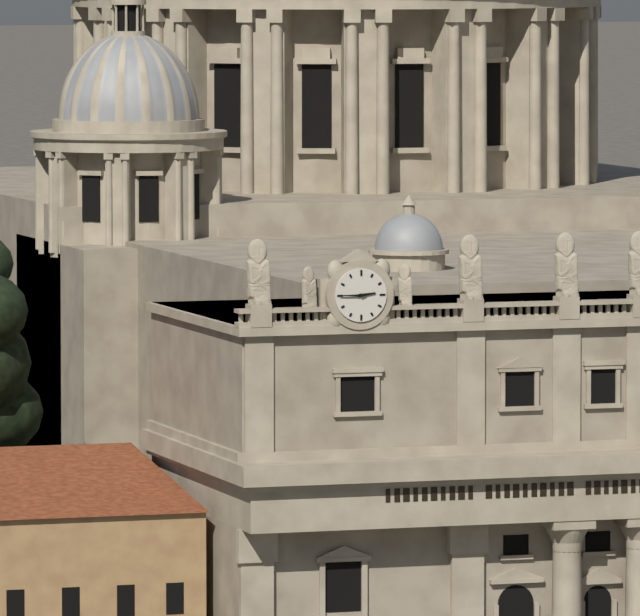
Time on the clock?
2:45
